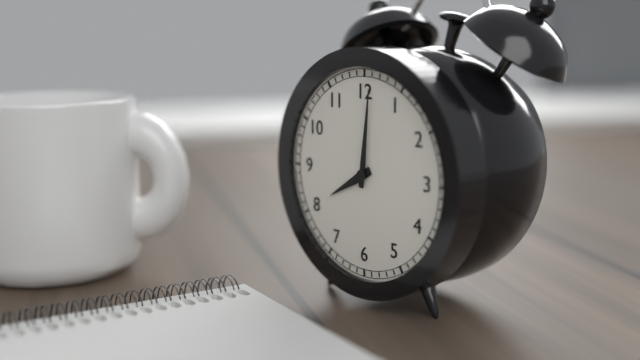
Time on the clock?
8:01
